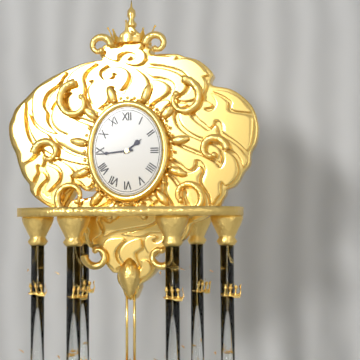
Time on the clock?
1:44
